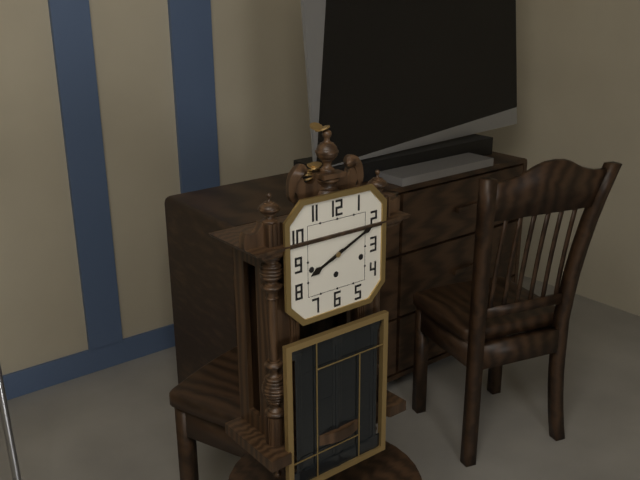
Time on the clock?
8:11
